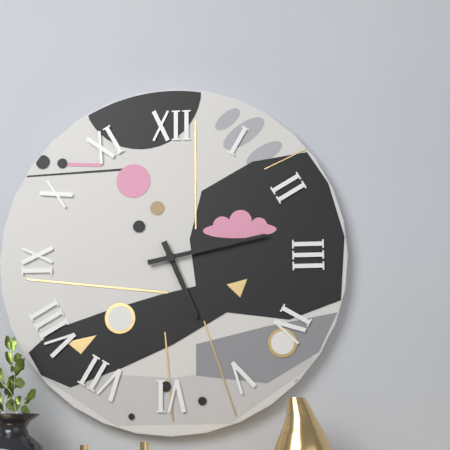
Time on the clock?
5:13
